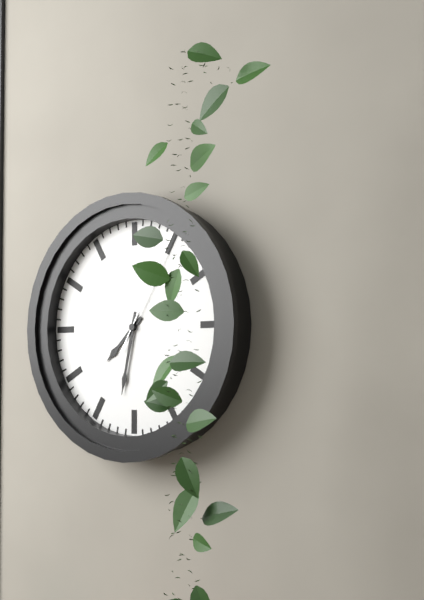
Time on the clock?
7:32:05
